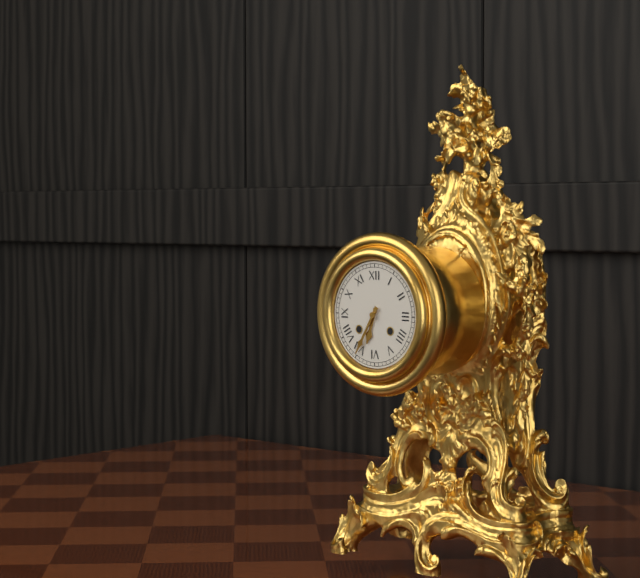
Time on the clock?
6:35
